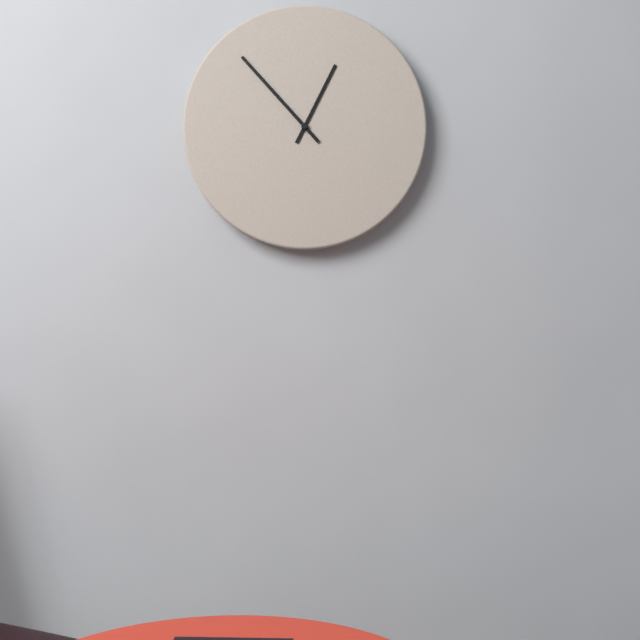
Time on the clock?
12:53
